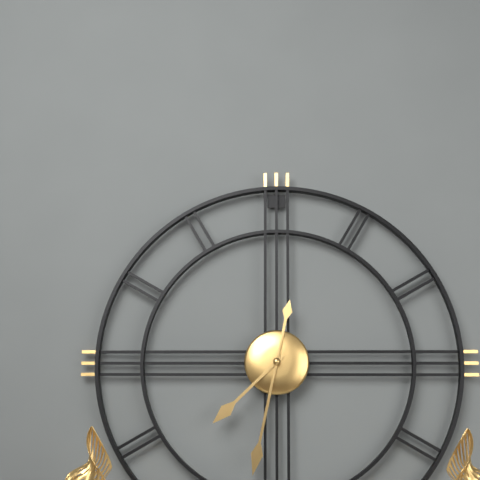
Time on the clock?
7:32
